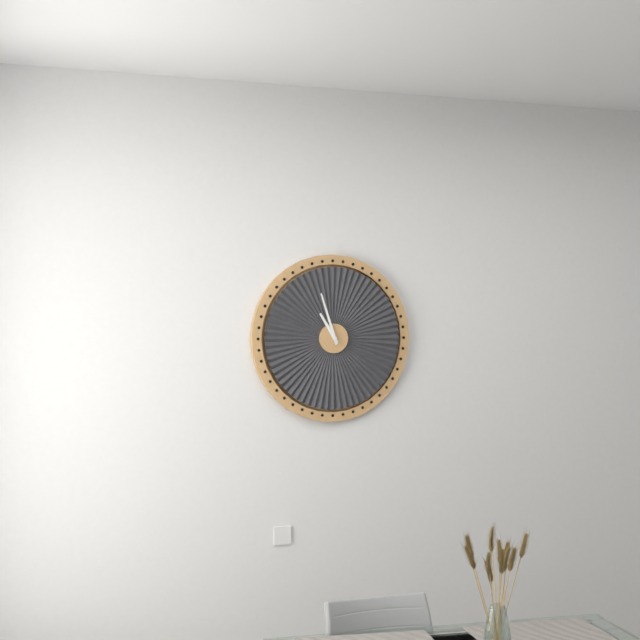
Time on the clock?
10:57
